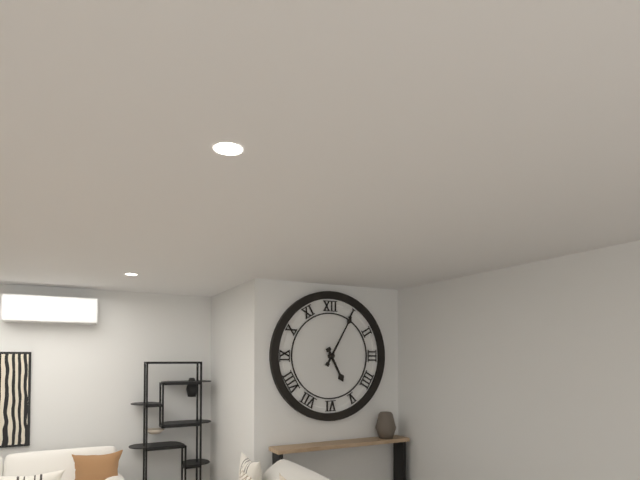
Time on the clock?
5:05
